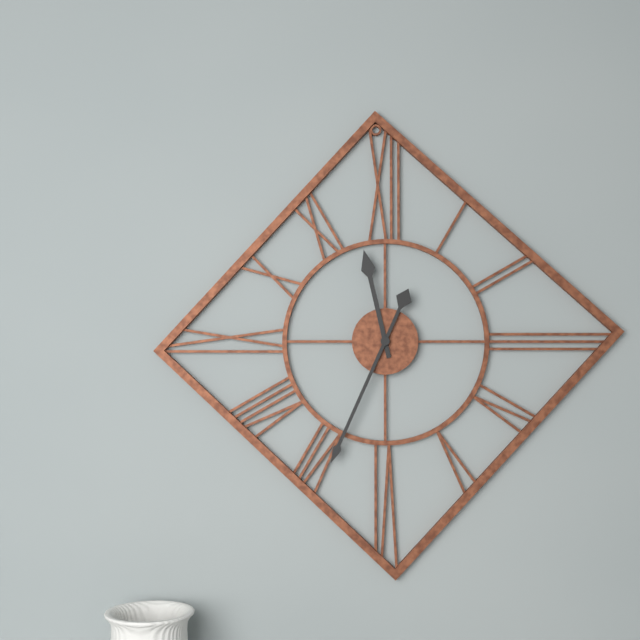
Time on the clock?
11:34
